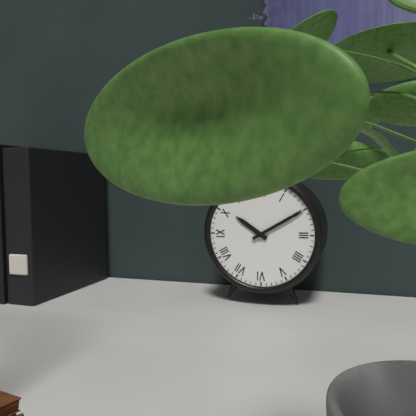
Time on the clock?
10:10
